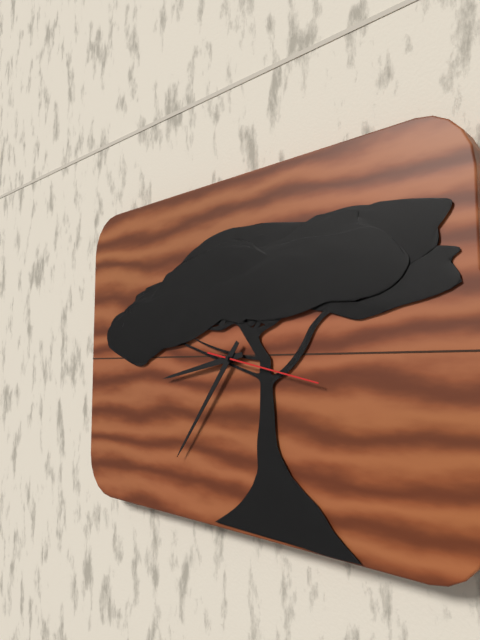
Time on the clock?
8:36:17
